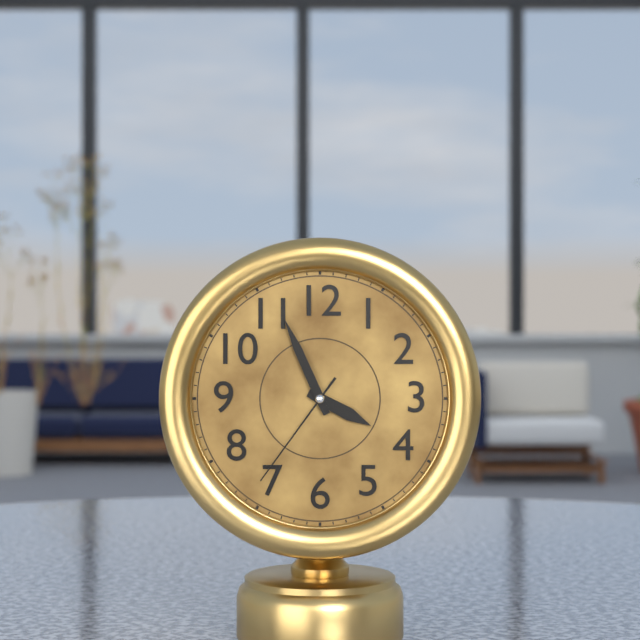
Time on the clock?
3:56:36
